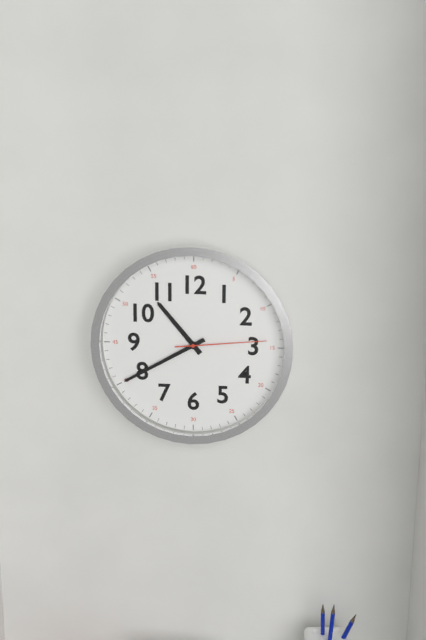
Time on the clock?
10:40:14
